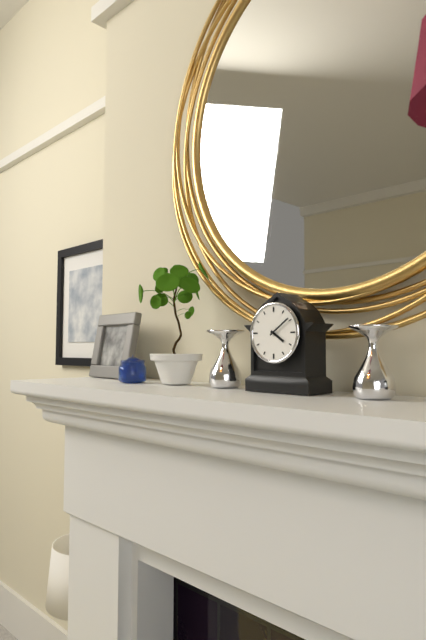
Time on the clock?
4:09
